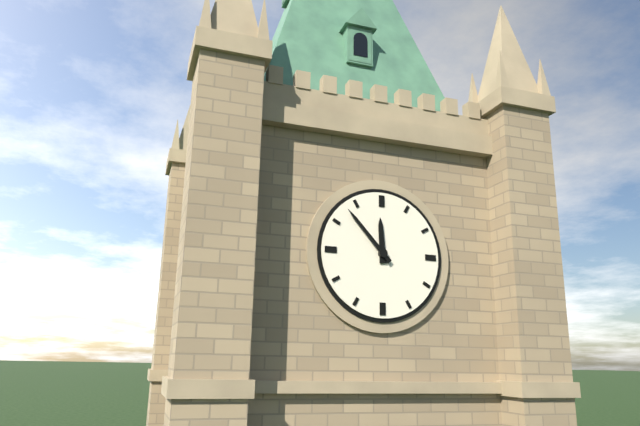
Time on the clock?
11:53
